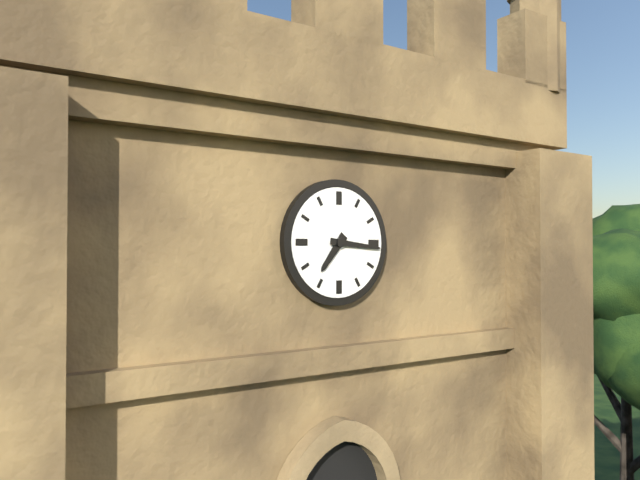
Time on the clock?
7:16
